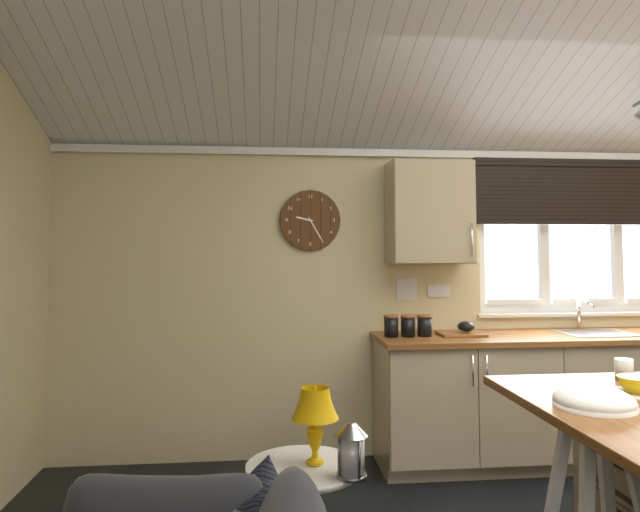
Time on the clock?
9:25
